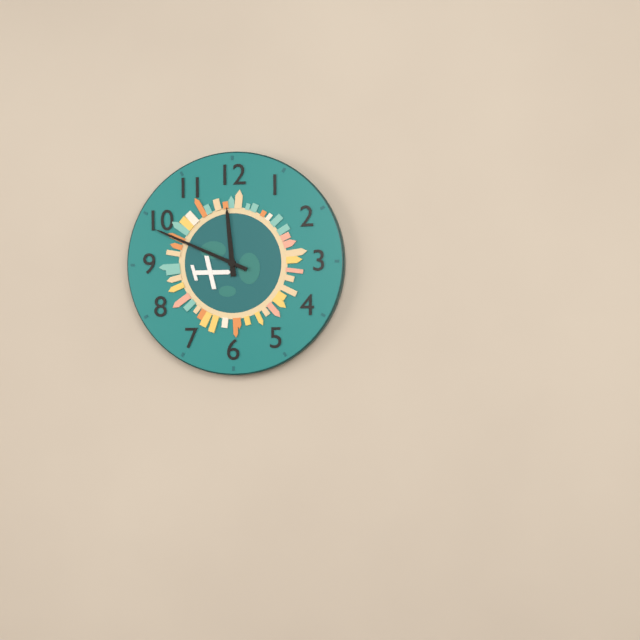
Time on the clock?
11:49
